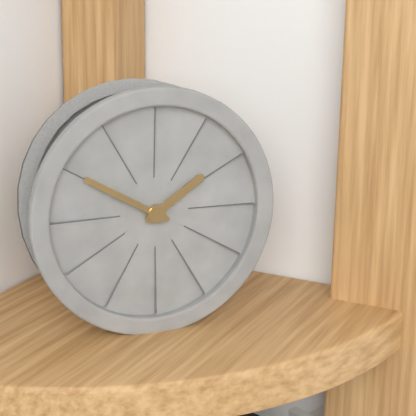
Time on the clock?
1:50
